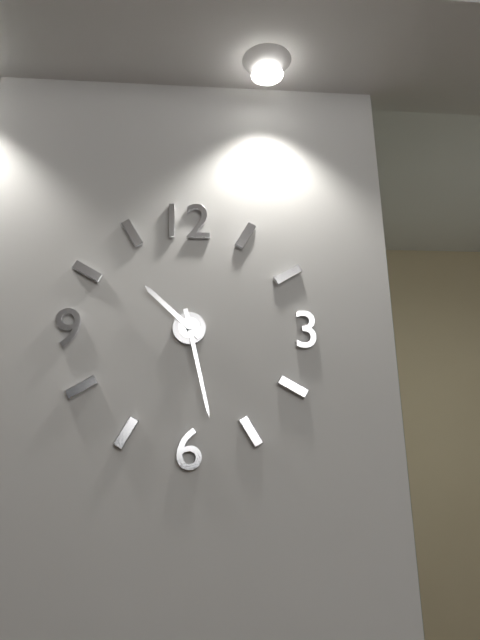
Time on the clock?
10:28
